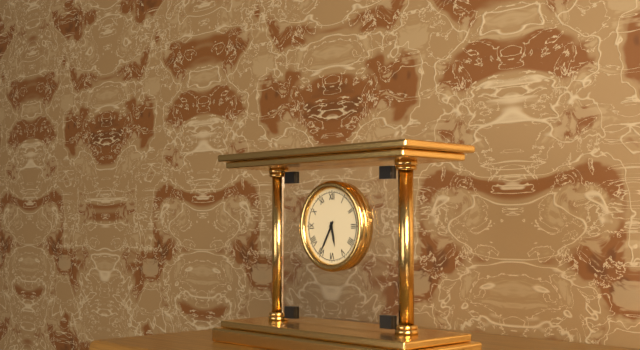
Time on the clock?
5:35
